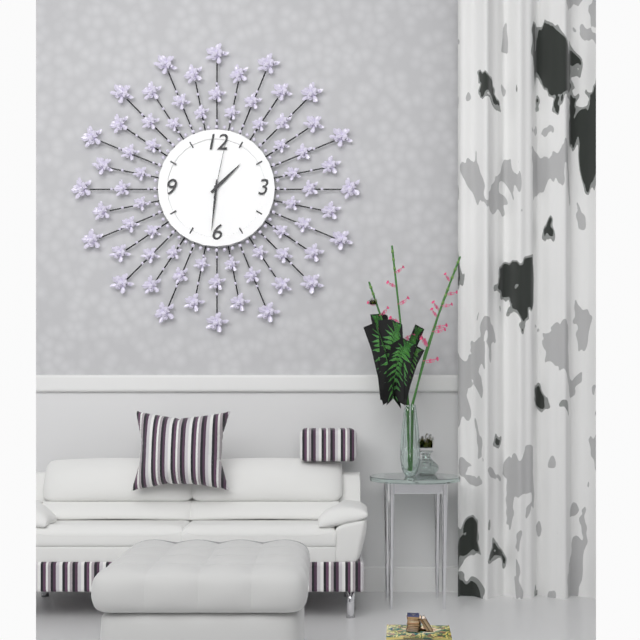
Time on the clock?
1:31:02
